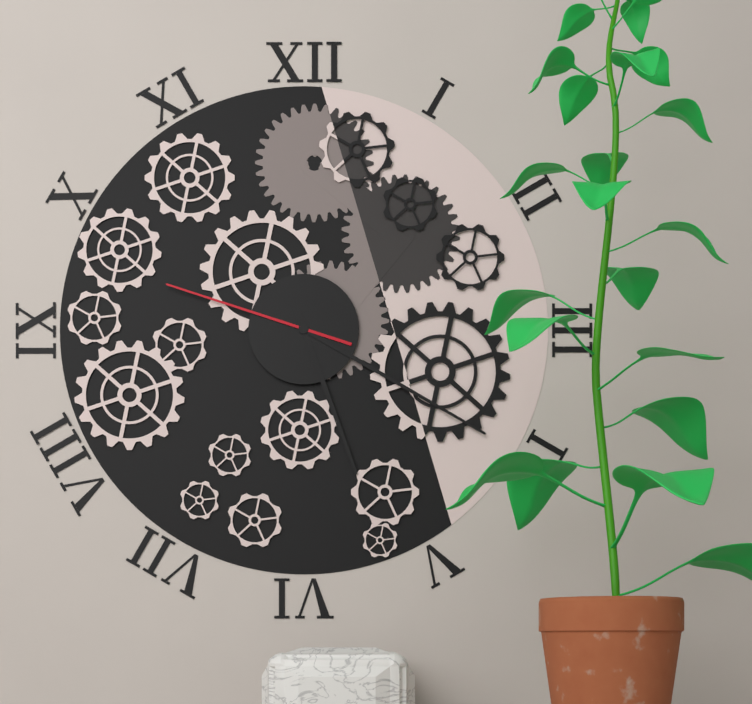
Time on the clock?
5:20:48
